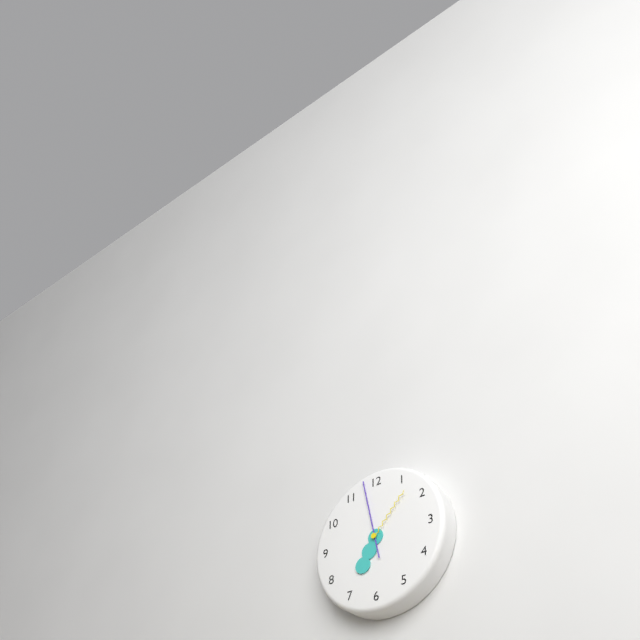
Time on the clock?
6:58:07
